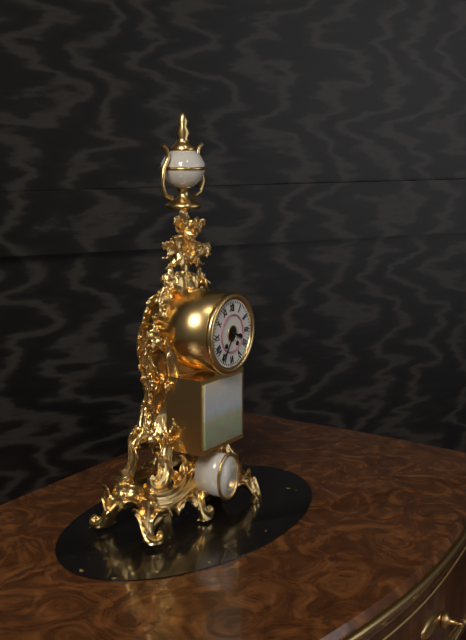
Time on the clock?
3:36
